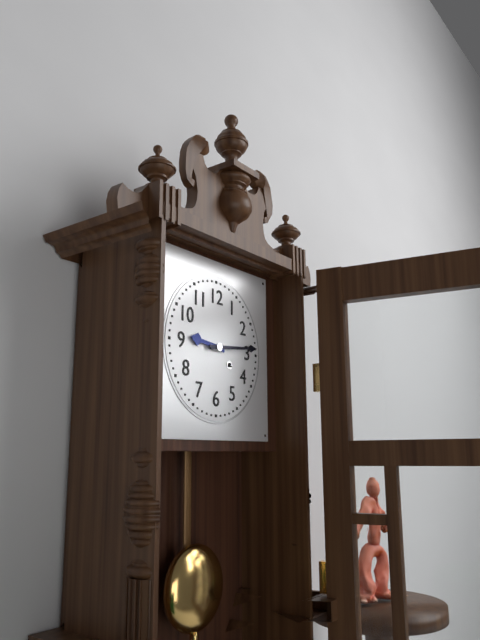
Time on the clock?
9:14
